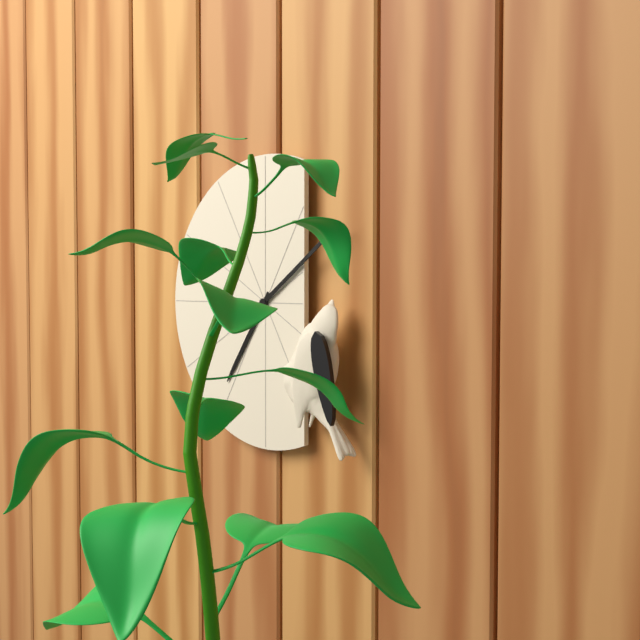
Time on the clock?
7:09
